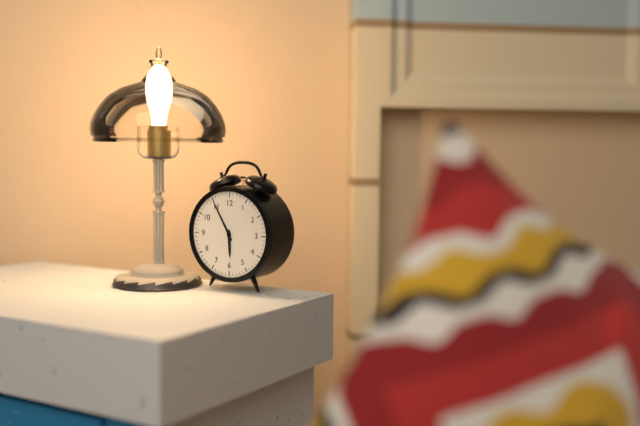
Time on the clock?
5:55
